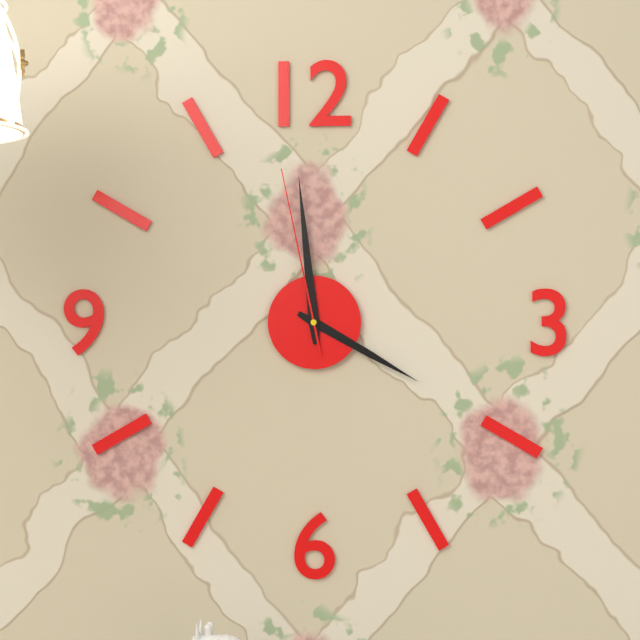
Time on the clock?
3:59:58
